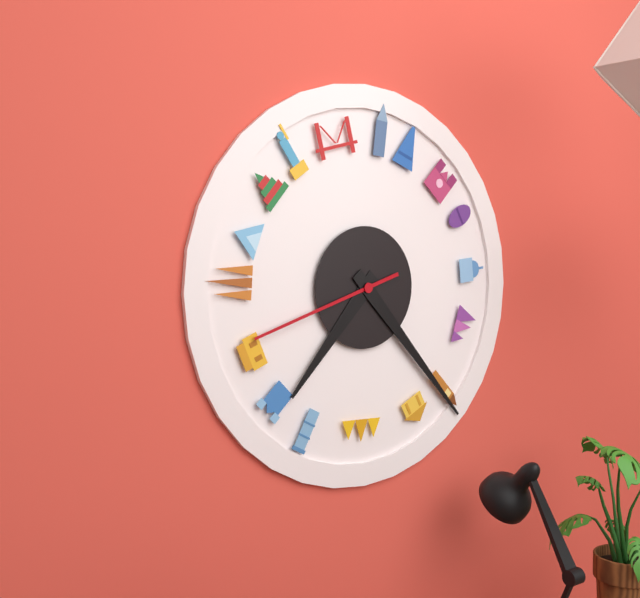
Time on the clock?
7:23:42
